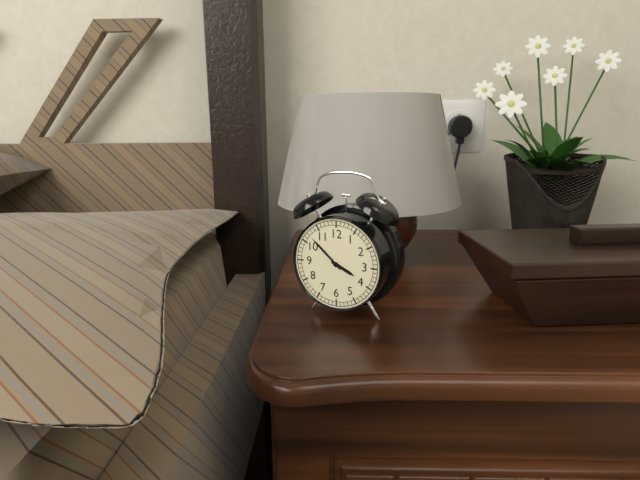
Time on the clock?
3:52
